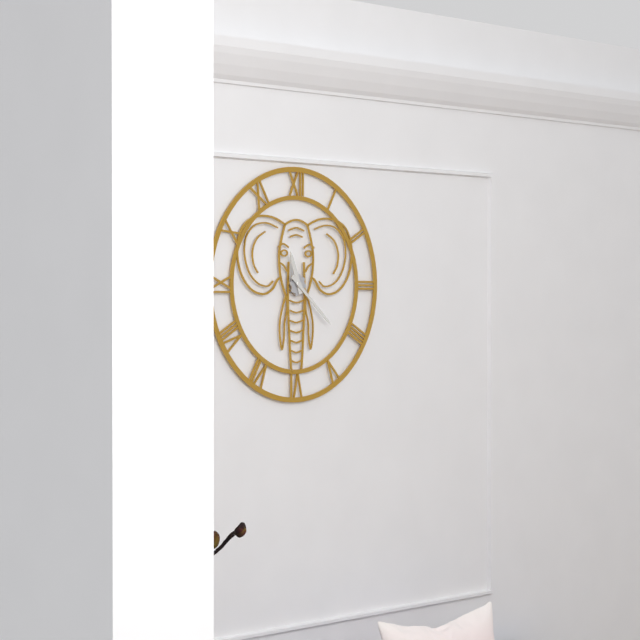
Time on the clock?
11:22
